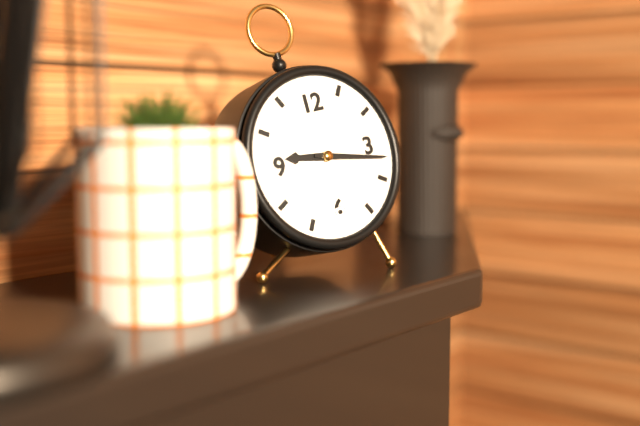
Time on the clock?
9:17
